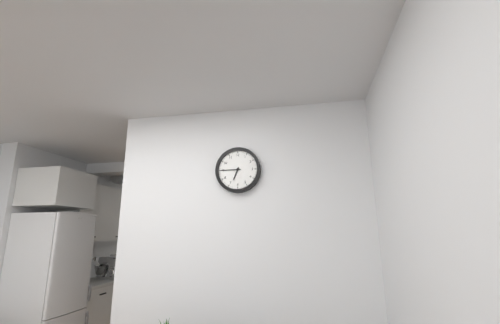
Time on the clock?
6:45
